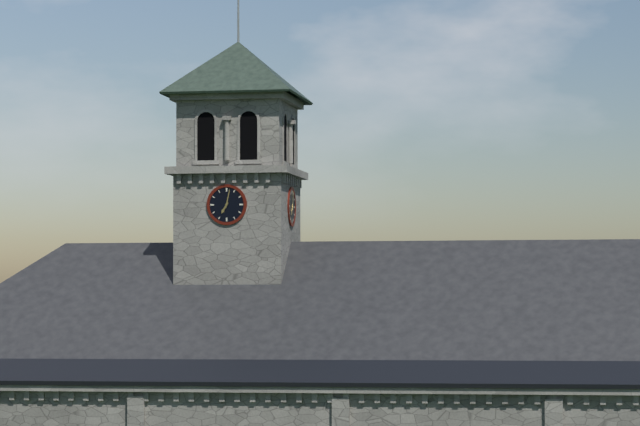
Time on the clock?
7:02
